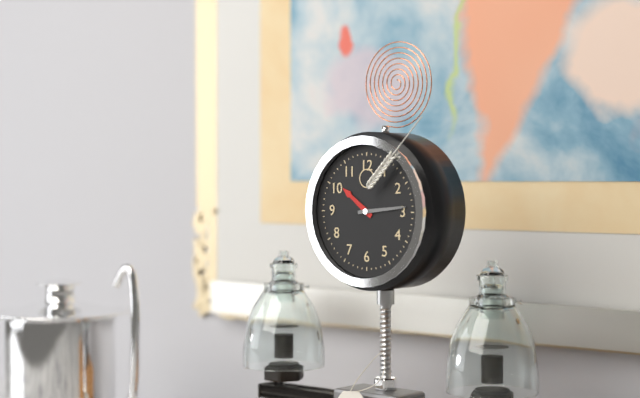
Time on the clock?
10:14
